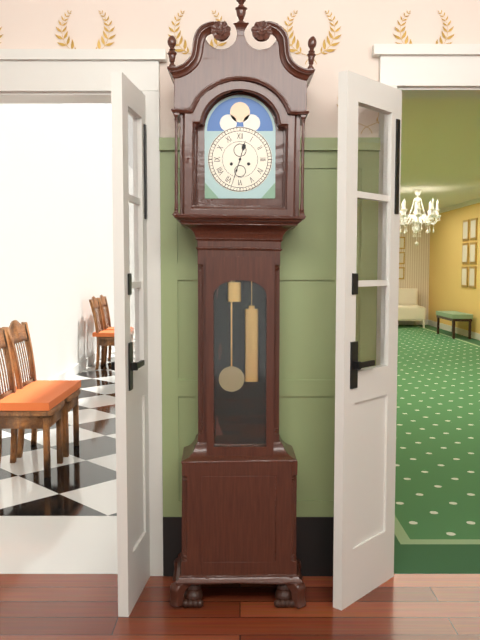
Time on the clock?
12:33
